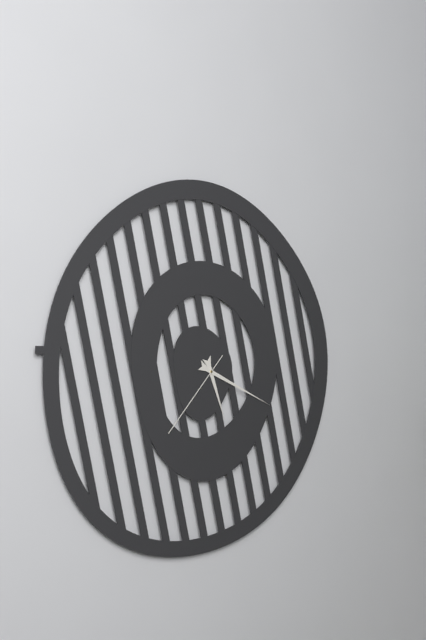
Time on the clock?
5:19:37
